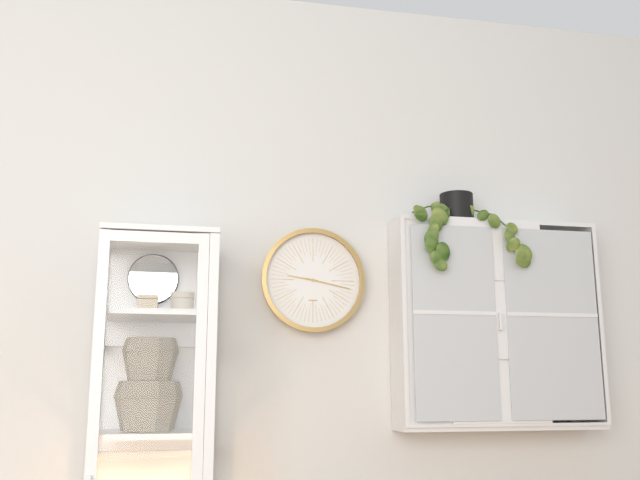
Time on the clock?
9:17
